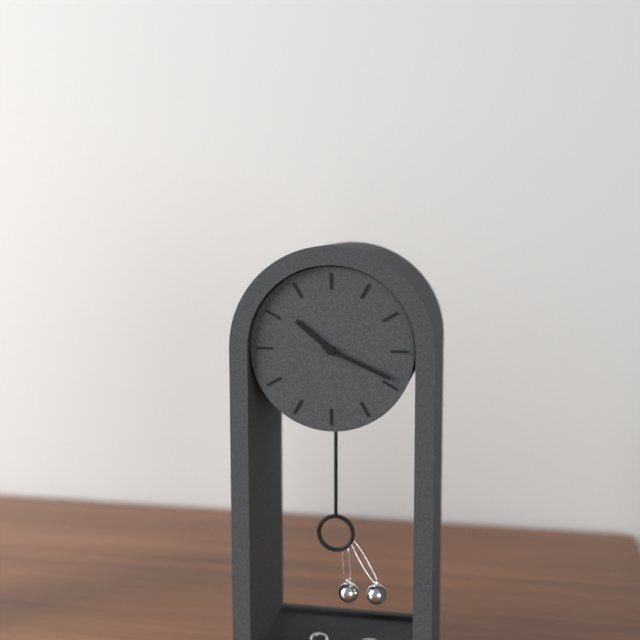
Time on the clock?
10:19
